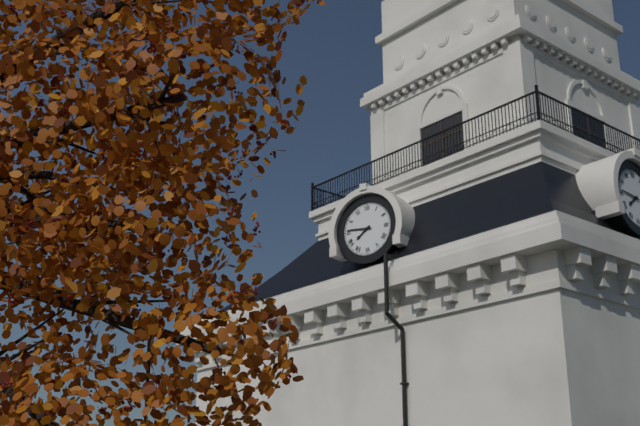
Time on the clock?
7:46
